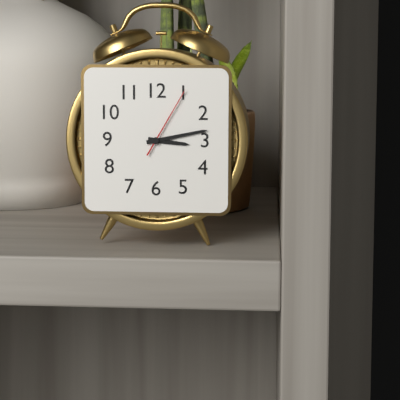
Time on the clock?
3:13:05
